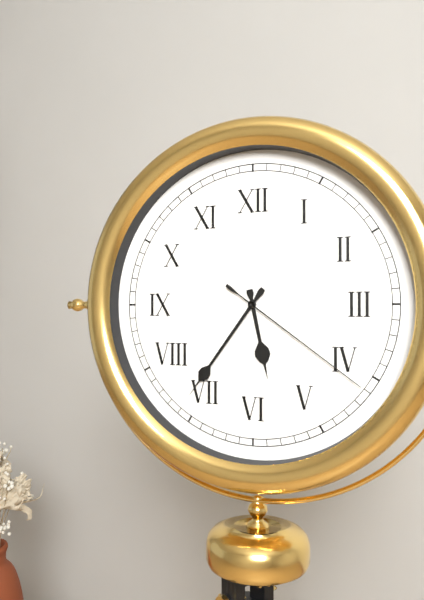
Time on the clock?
5:36:21
